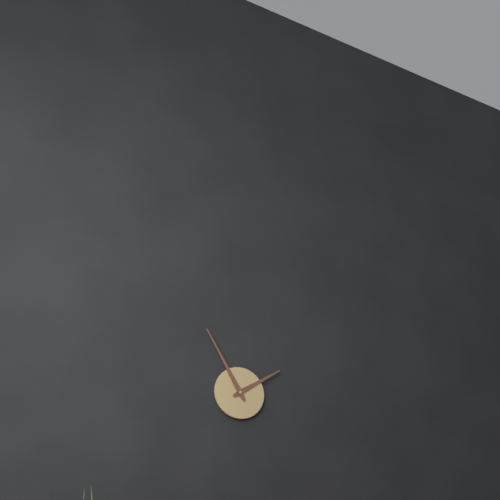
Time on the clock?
1:55
